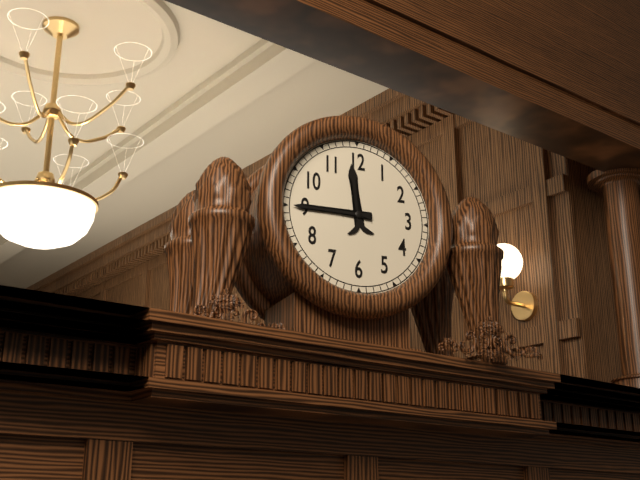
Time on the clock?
11:45
